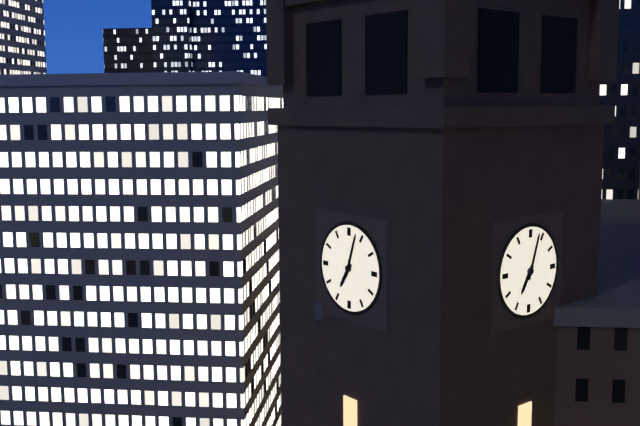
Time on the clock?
7:03
